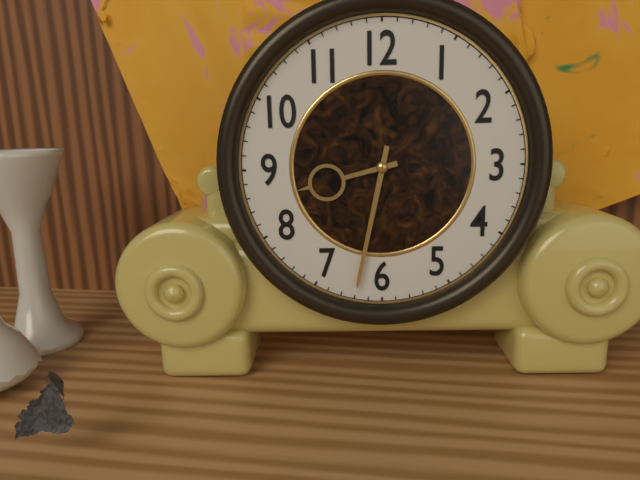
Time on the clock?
8:32
